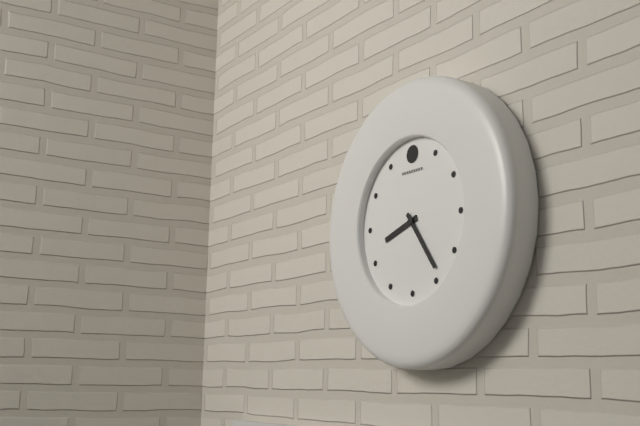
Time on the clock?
8:24
